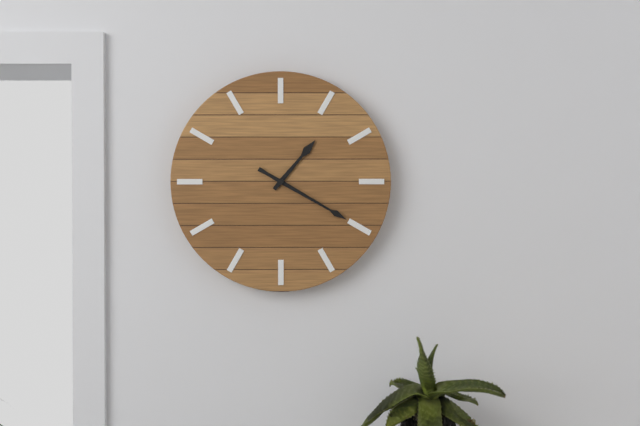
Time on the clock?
1:20
